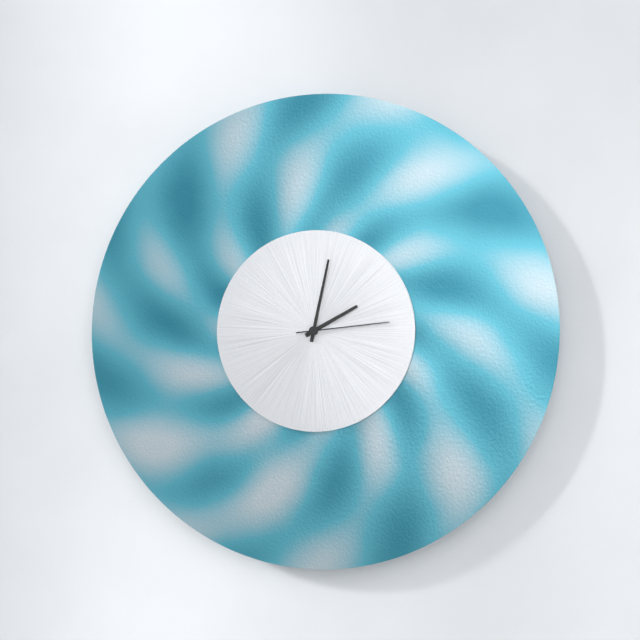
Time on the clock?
2:02:14
